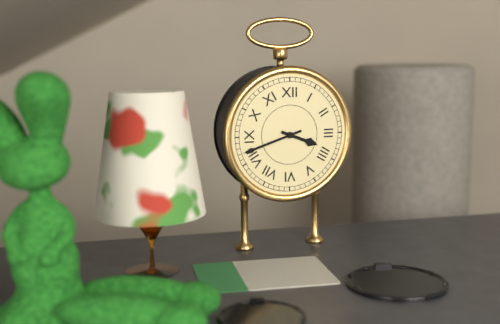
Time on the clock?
3:42
